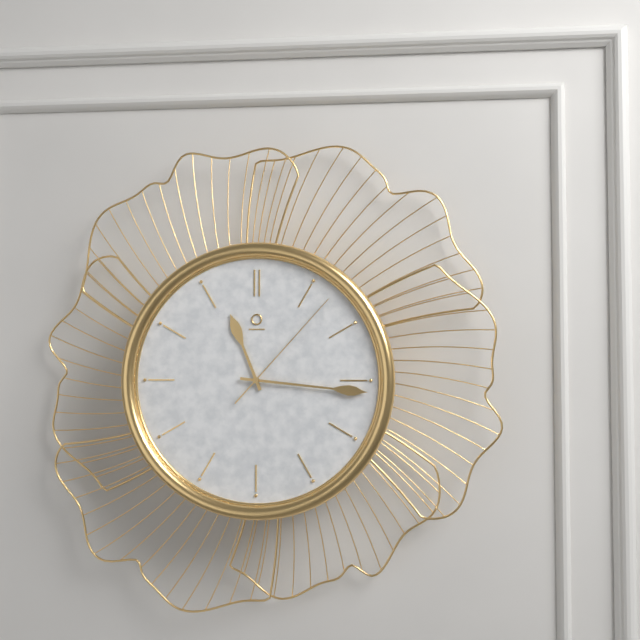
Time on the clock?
11:16:07
